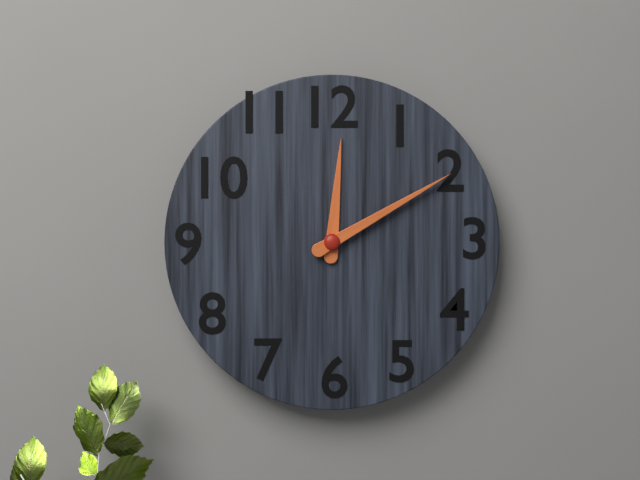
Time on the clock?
12:10
